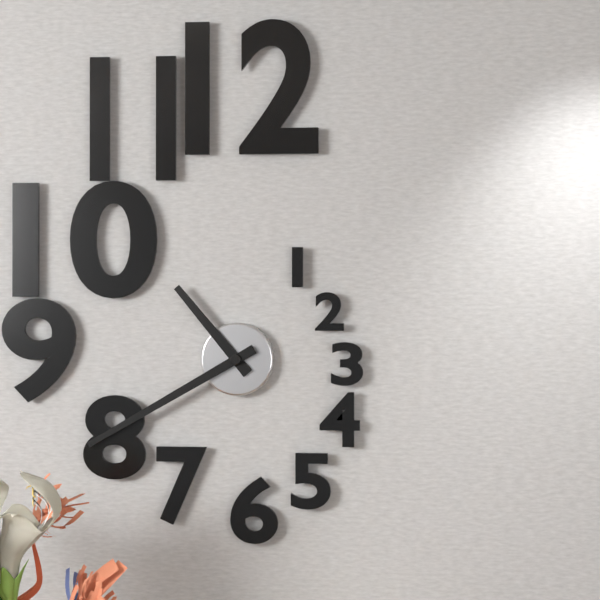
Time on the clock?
10:40
